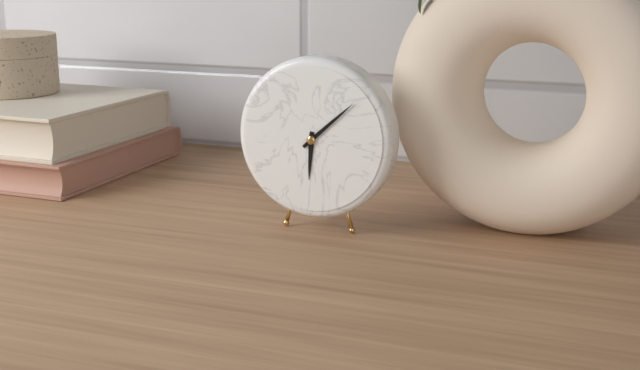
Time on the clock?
6:08
